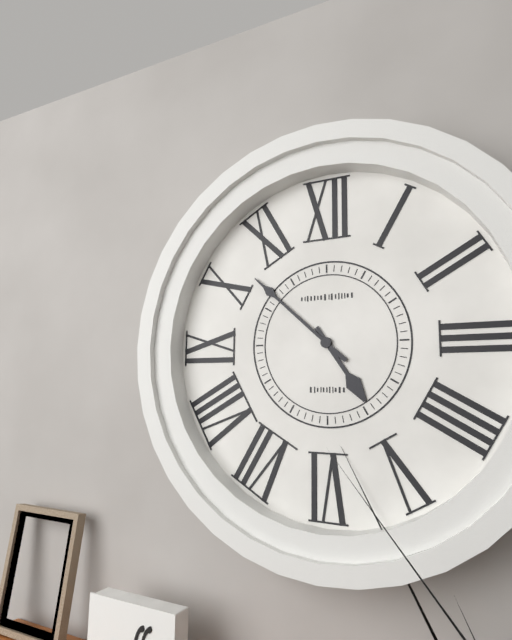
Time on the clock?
4:52
